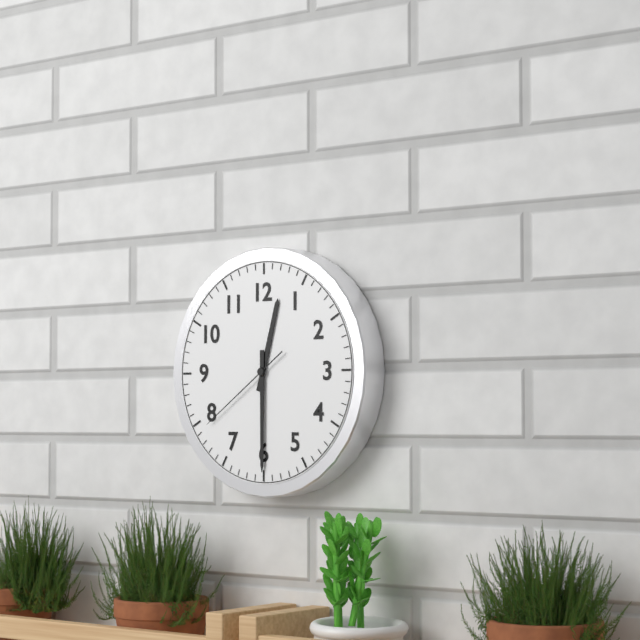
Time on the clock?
12:30:39
